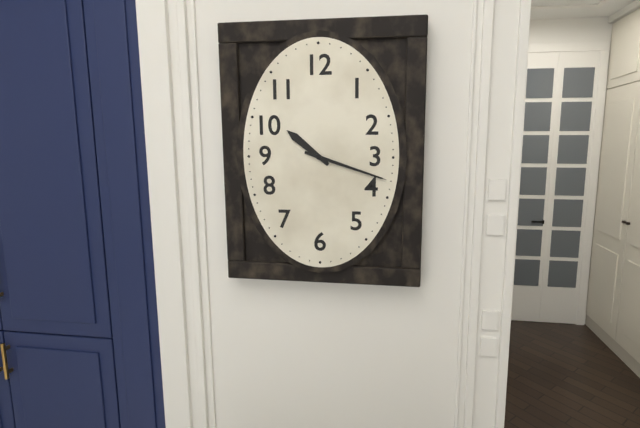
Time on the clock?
10:18
